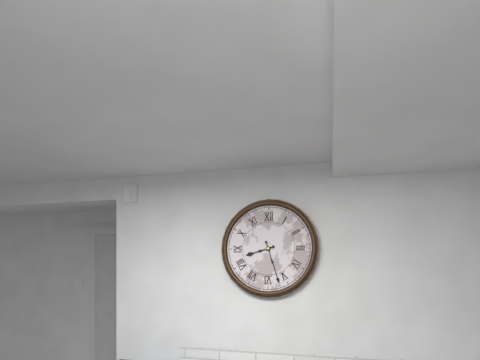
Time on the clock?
8:27
